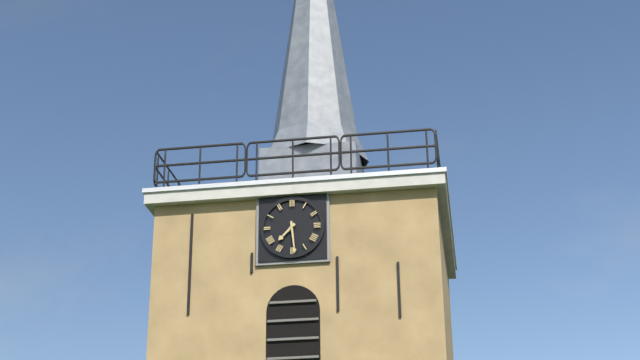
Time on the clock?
7:29
